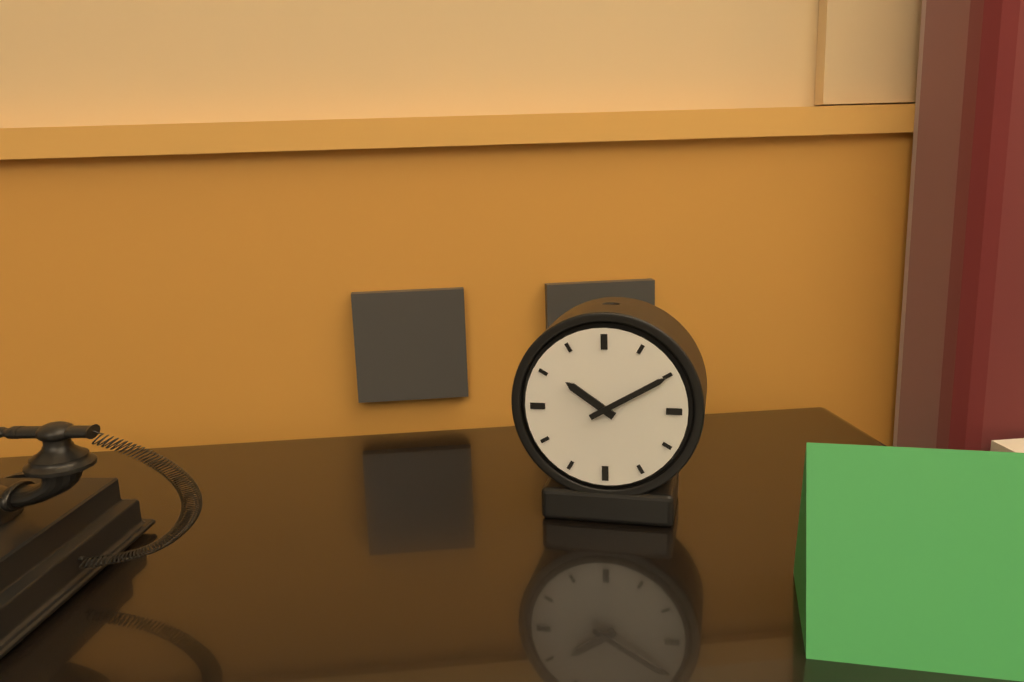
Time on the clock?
10:10
